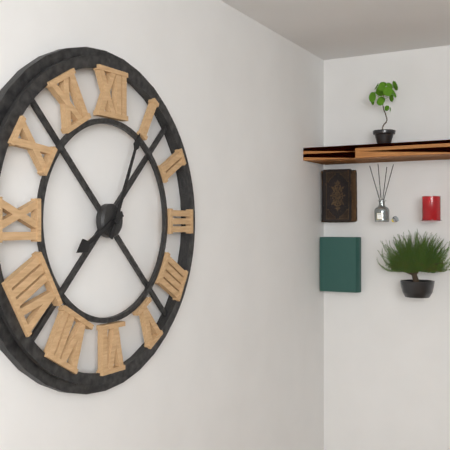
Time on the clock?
8:04
